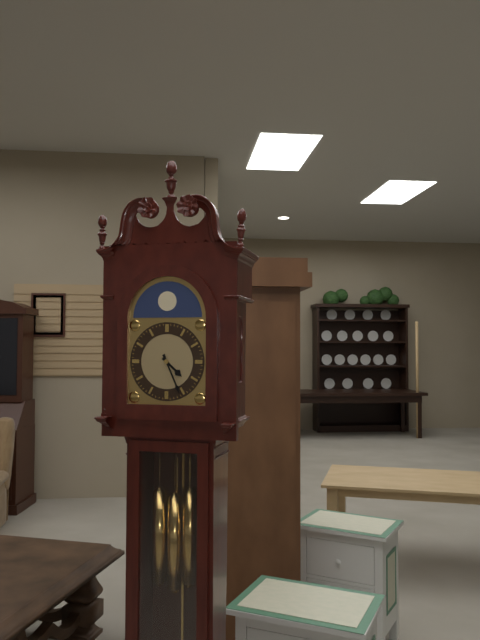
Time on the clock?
4:26
